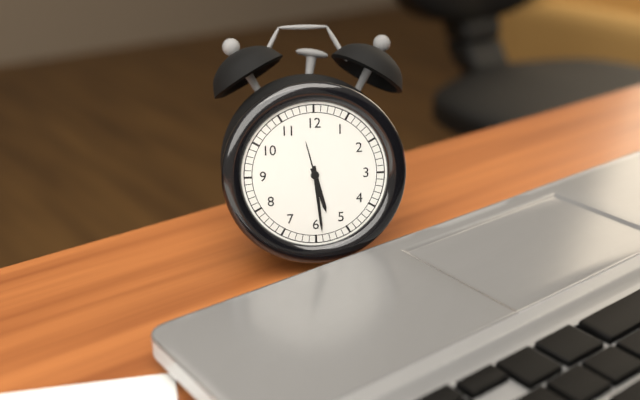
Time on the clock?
5:29
